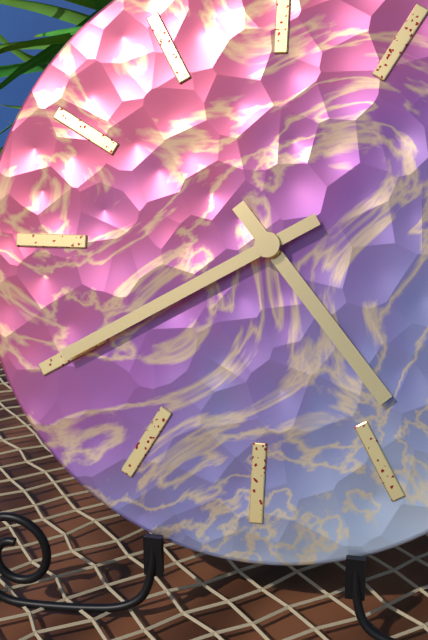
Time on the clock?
4:40
